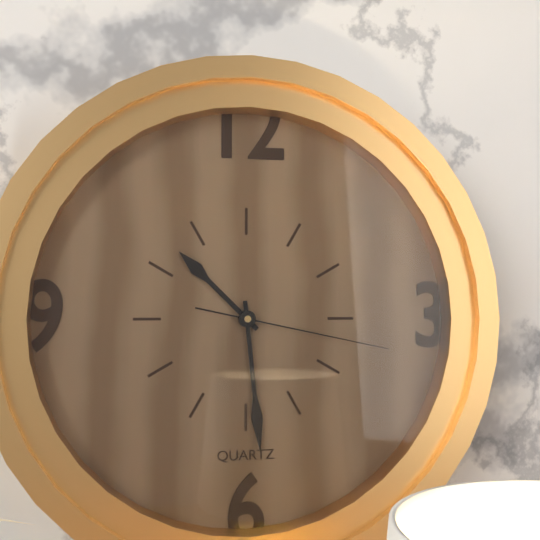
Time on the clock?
10:29:17
